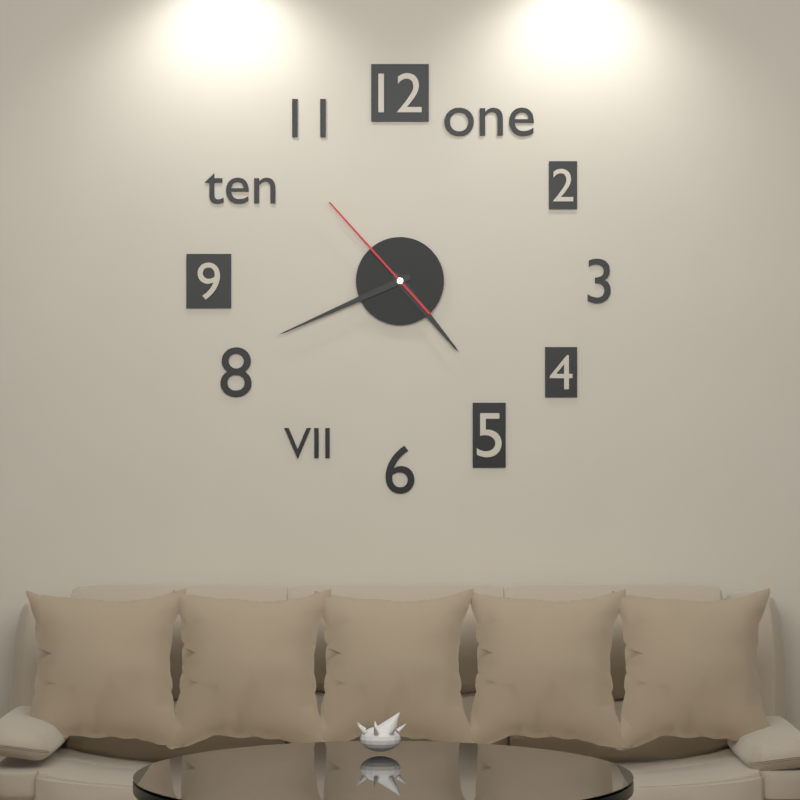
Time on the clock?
4:41:53
